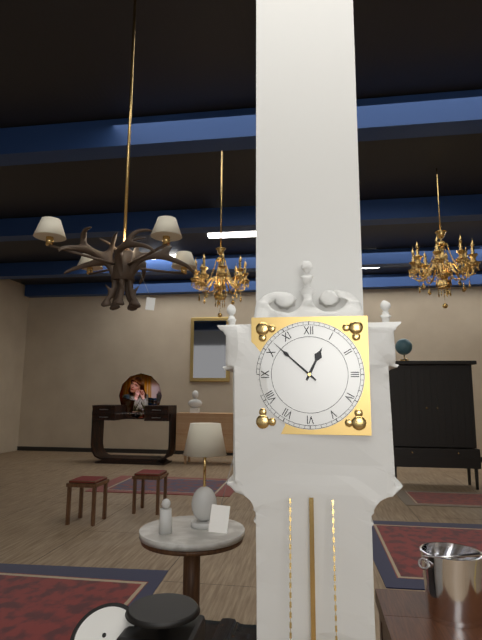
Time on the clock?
12:52
